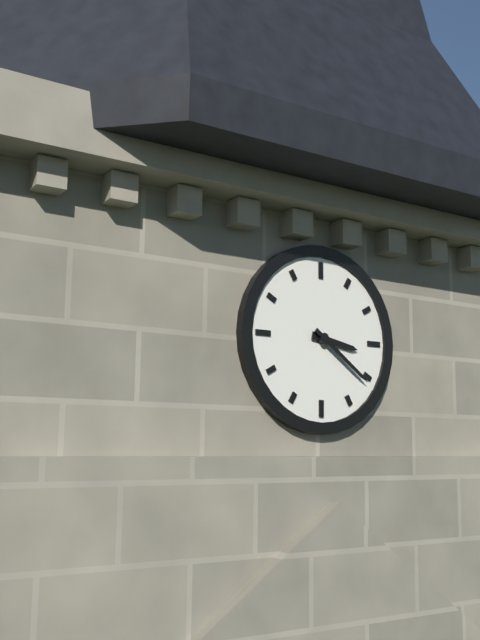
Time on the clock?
3:21
